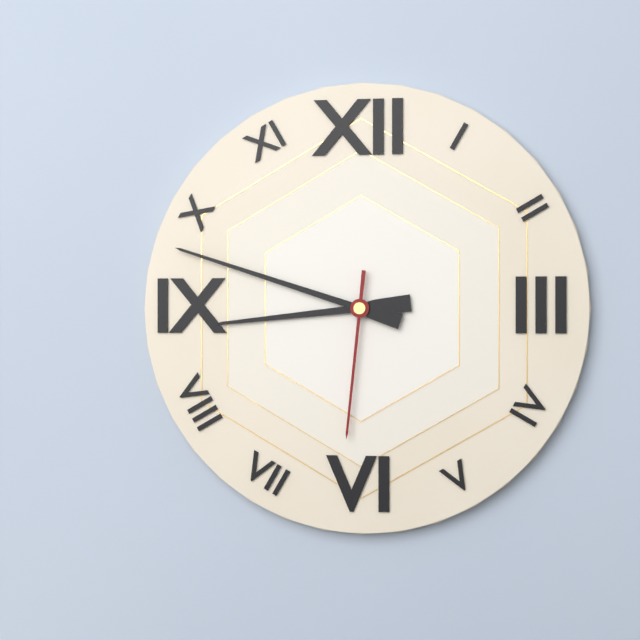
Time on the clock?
8:48:31
